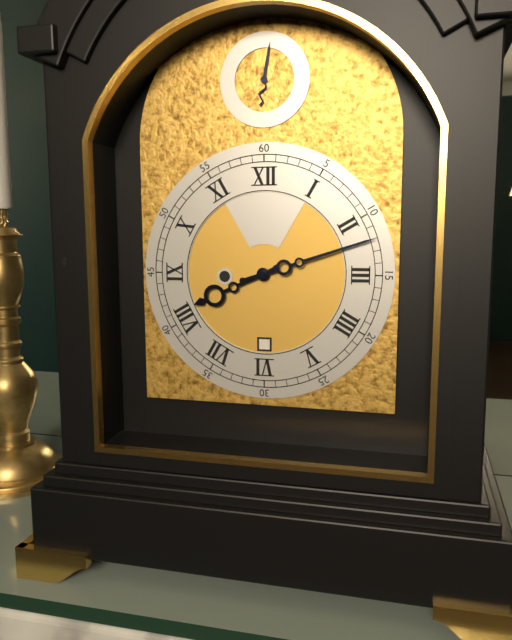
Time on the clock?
8:12
